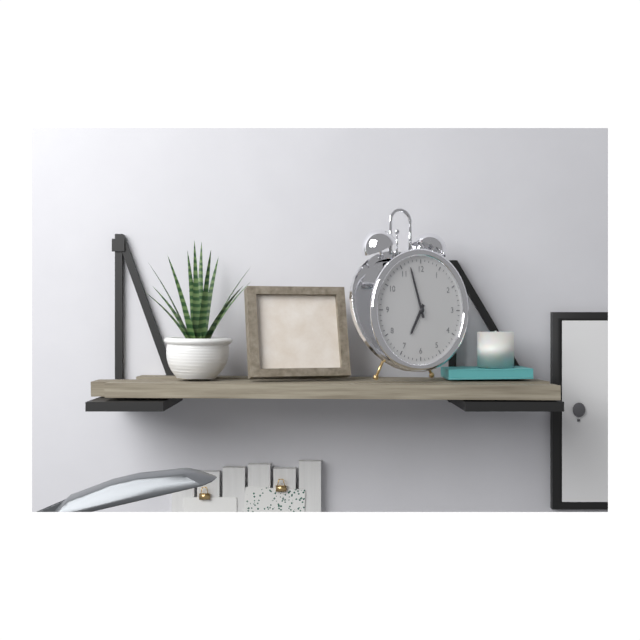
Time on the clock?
6:57
